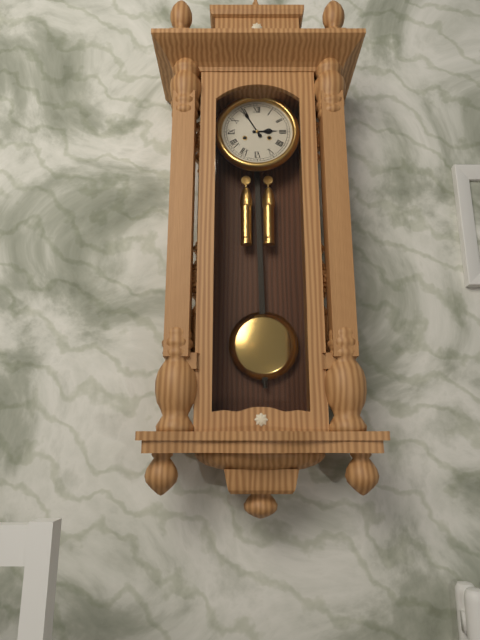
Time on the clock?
2:55
